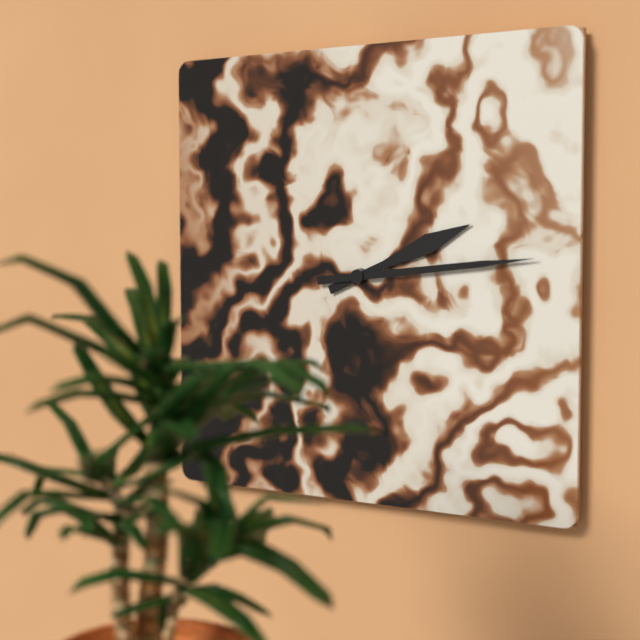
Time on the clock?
2:14
